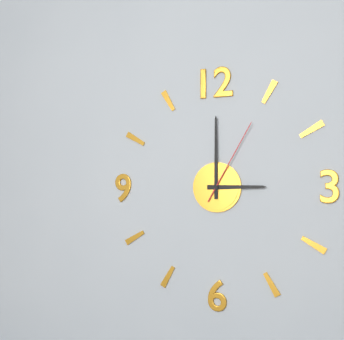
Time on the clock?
3:00:05
